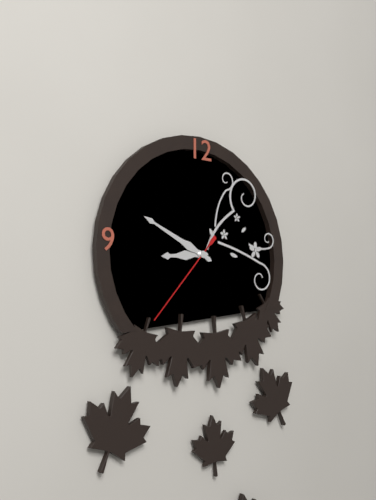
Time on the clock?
8:49:37
